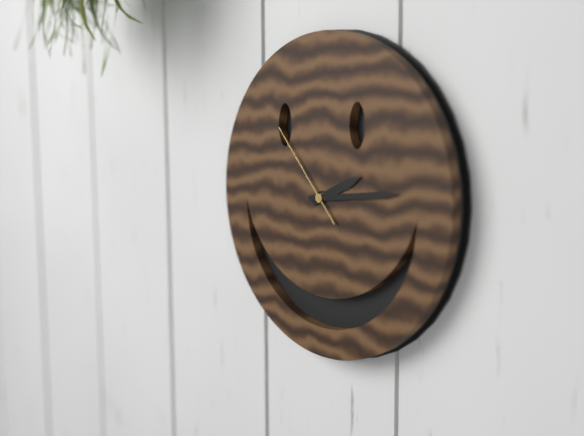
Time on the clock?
2:14:53
